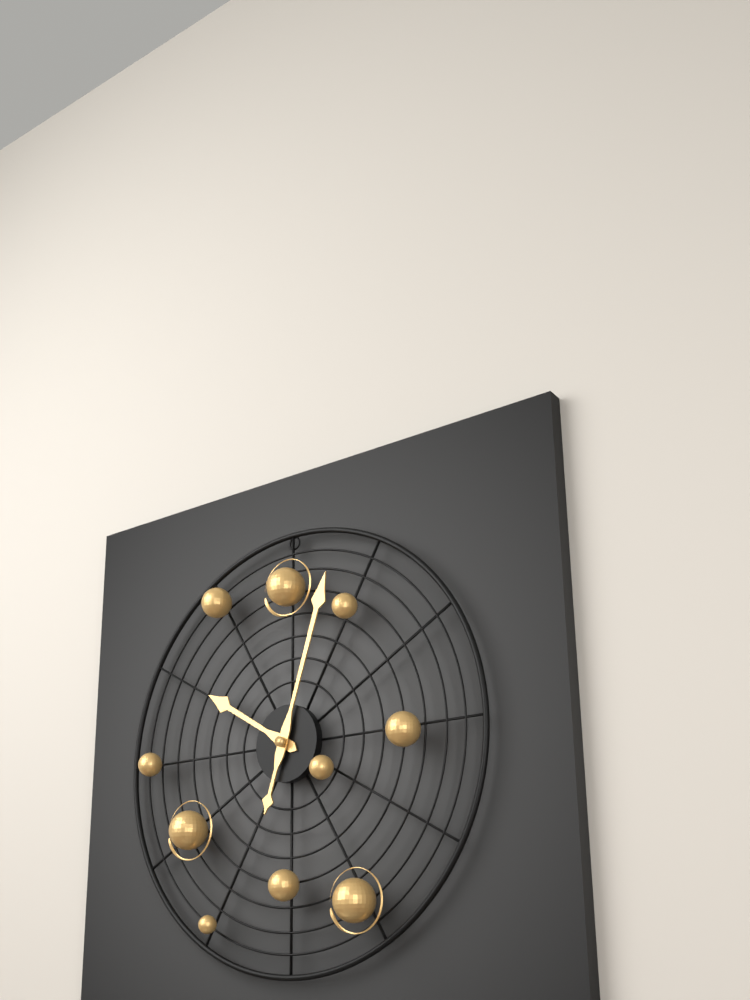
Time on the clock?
10:03
